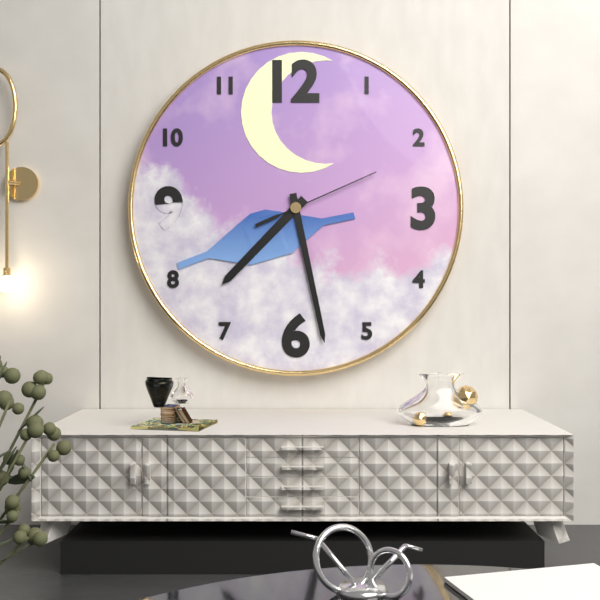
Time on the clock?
7:28:11
